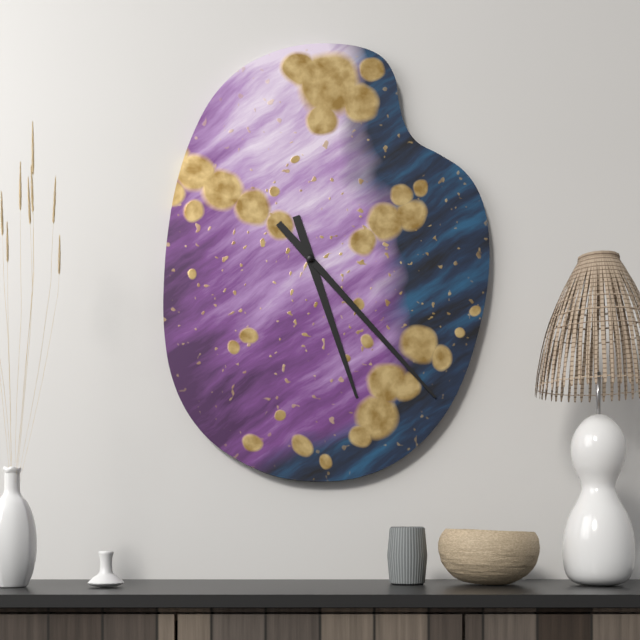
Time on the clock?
5:23
